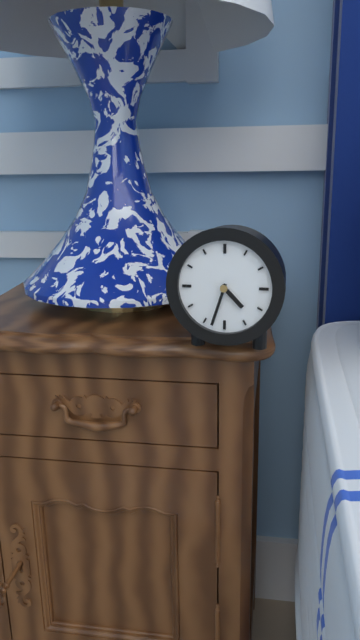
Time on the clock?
4:33
